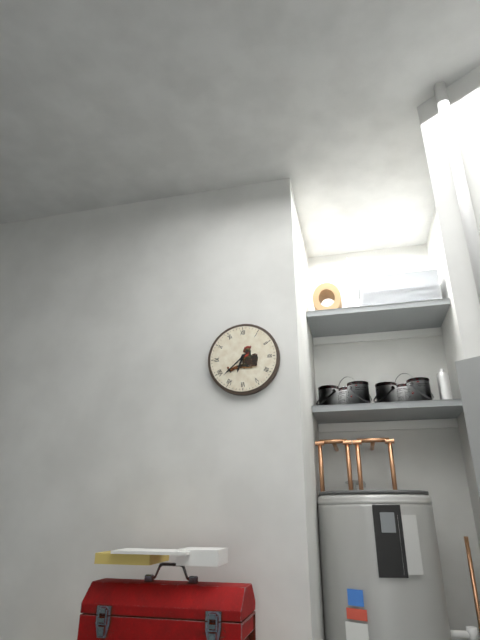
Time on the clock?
6:38
